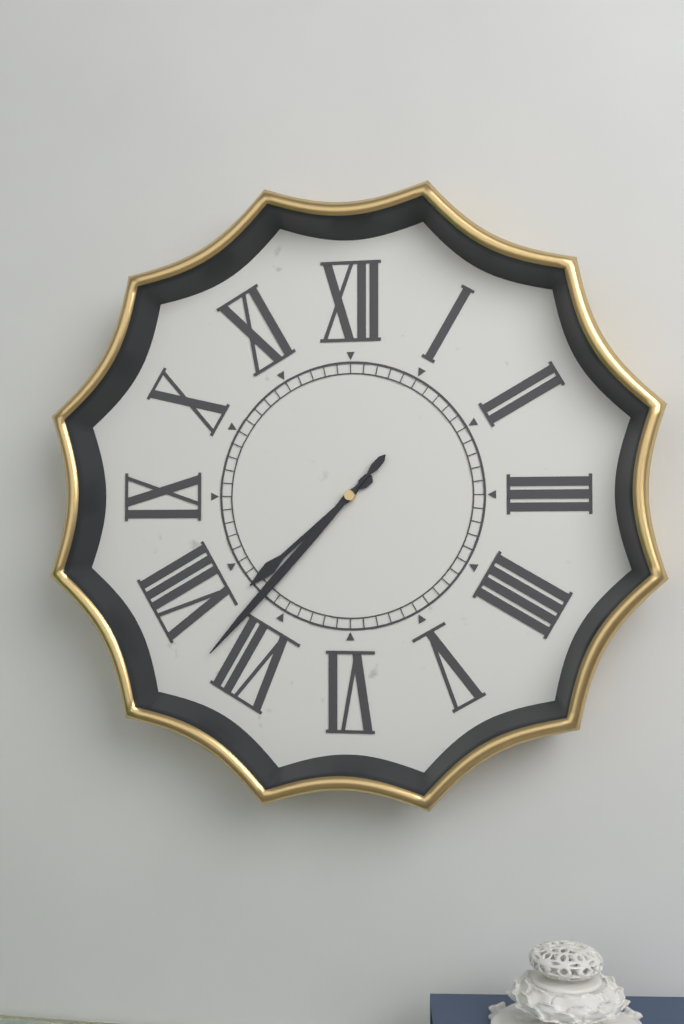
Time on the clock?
7:37
